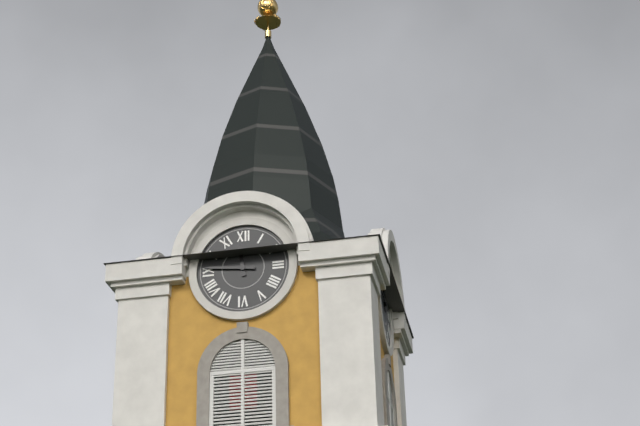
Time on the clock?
11:46
